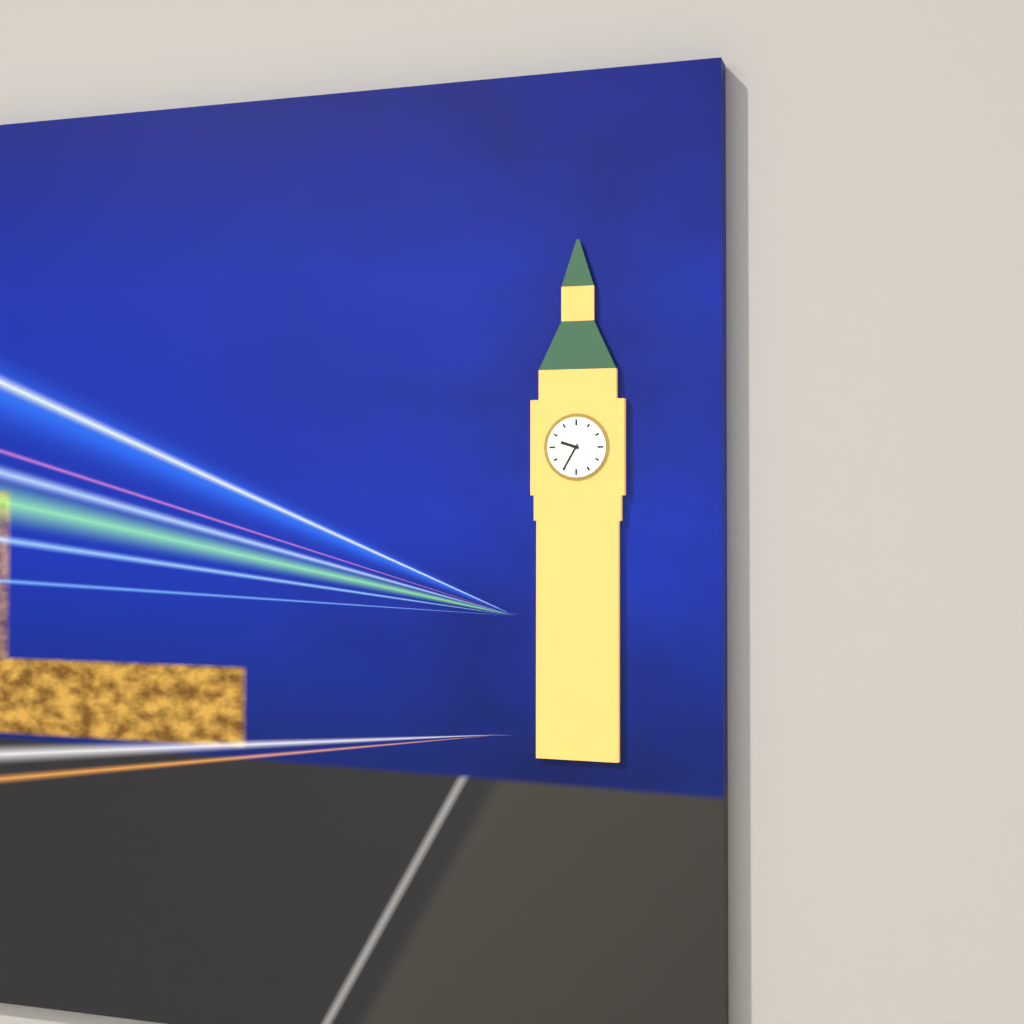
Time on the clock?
9:35
